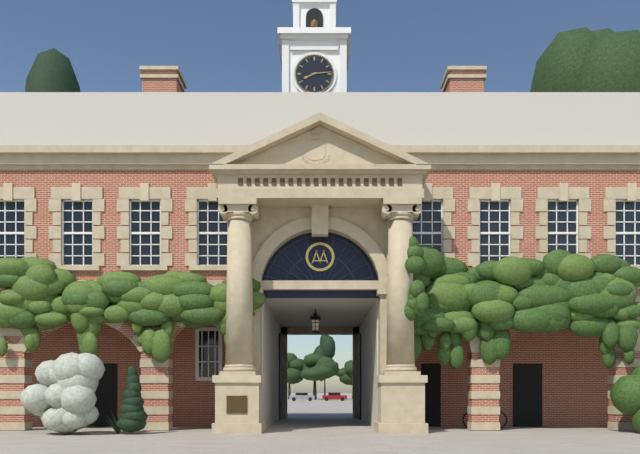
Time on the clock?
8:14
